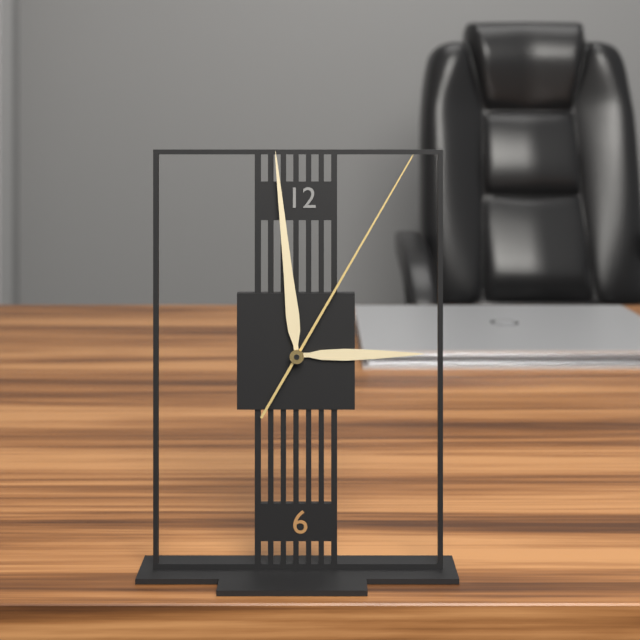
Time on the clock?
2:59:05
